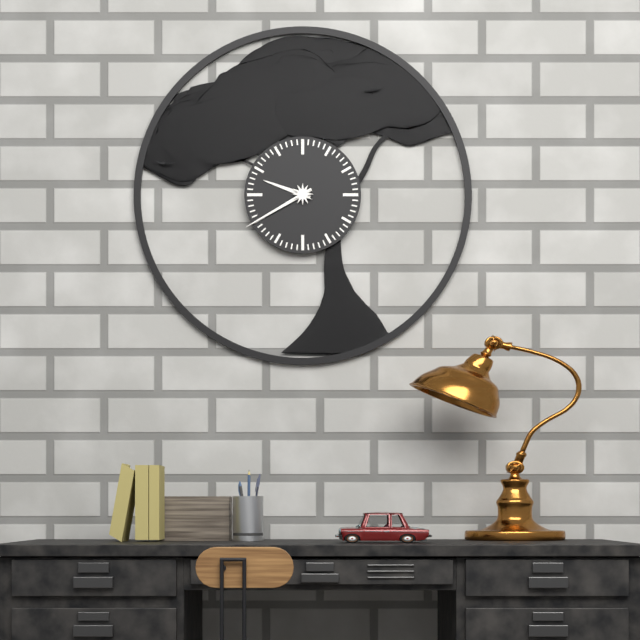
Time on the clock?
9:40
